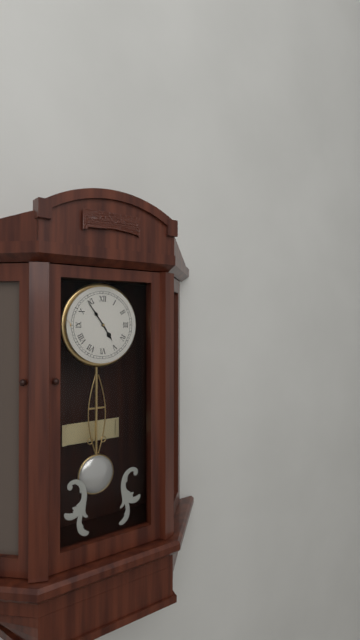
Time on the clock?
4:54
